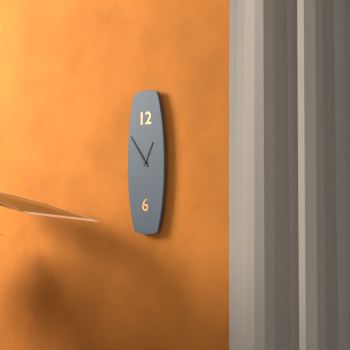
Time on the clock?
12:54
